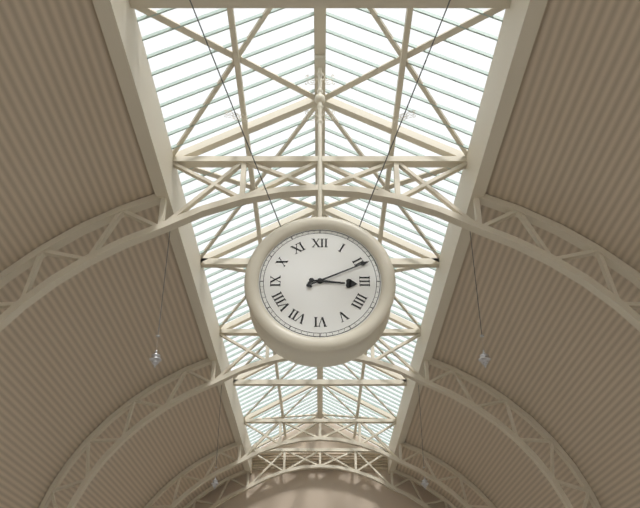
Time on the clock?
3:11
